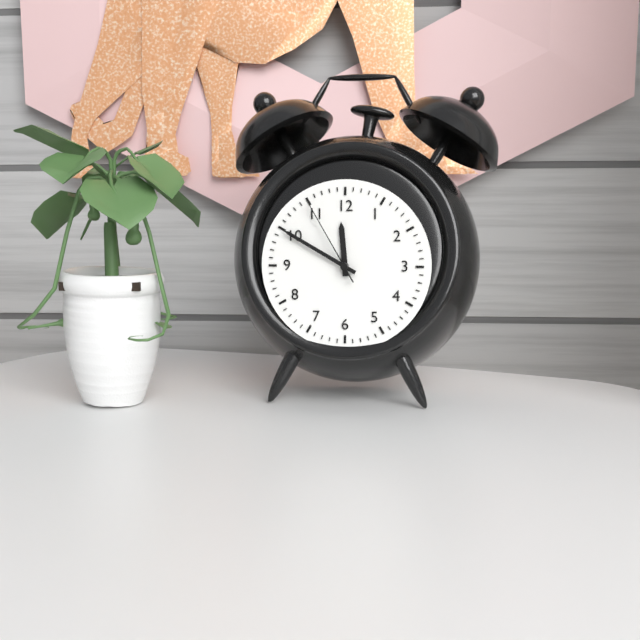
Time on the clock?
11:50:55
